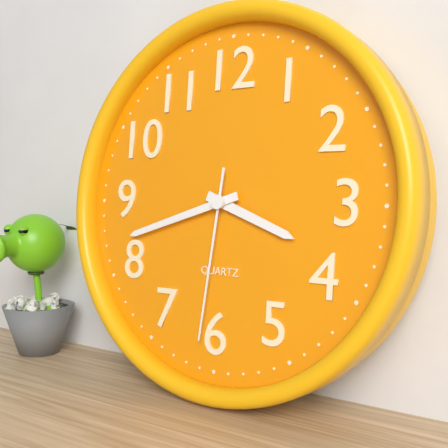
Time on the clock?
3:42:31
